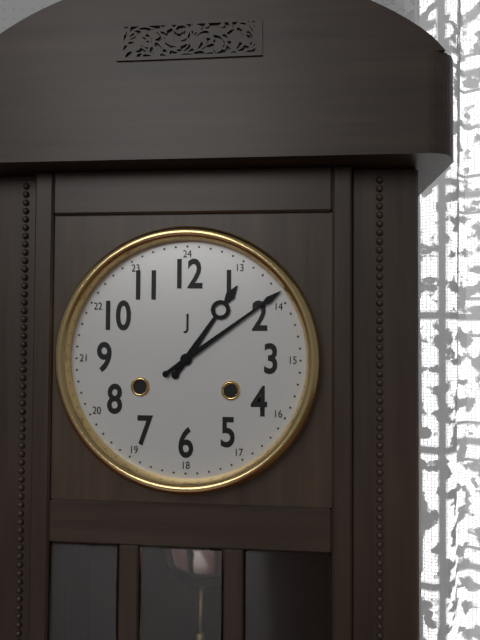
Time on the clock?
1:09
